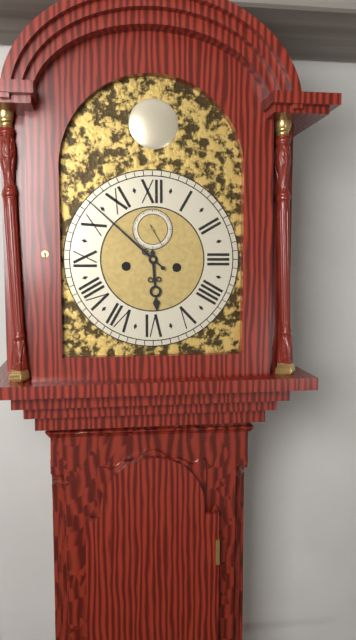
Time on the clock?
5:52
